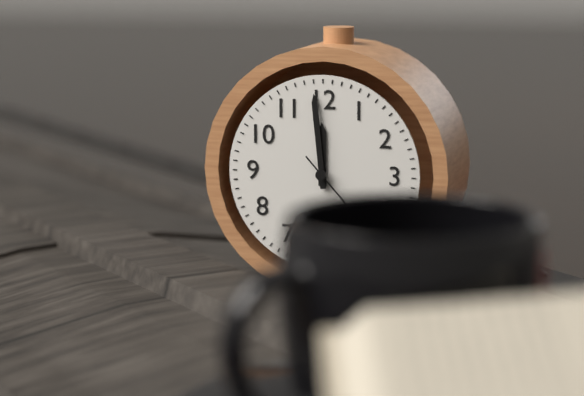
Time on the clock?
11:59
